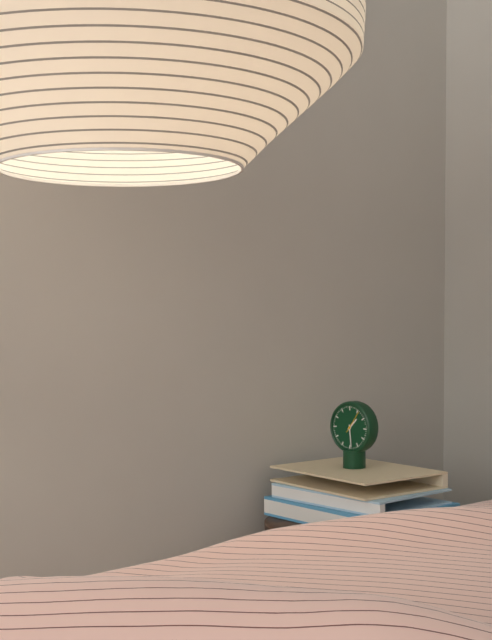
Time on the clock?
1:29
